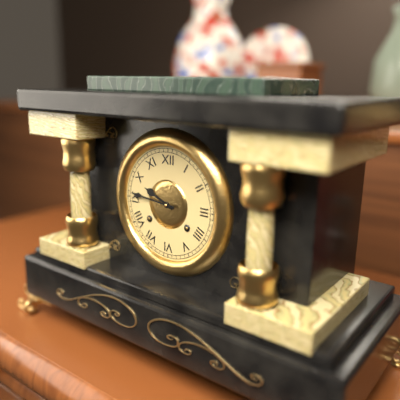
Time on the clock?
9:46
